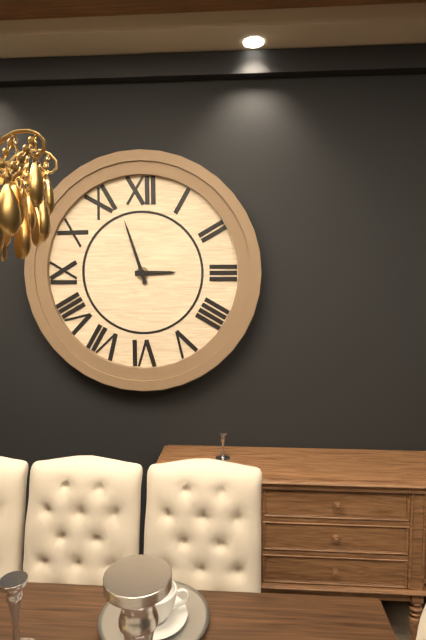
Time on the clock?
2:57
